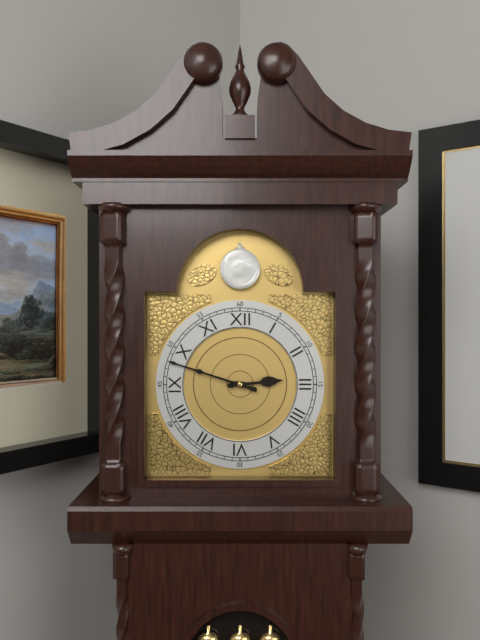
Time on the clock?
2:48
